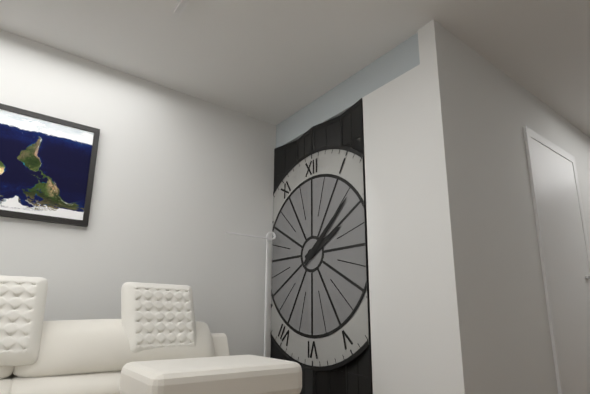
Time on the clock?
2:08
